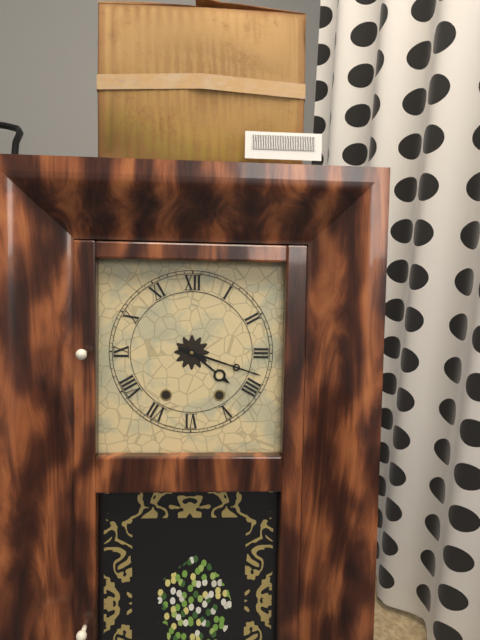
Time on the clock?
4:18
